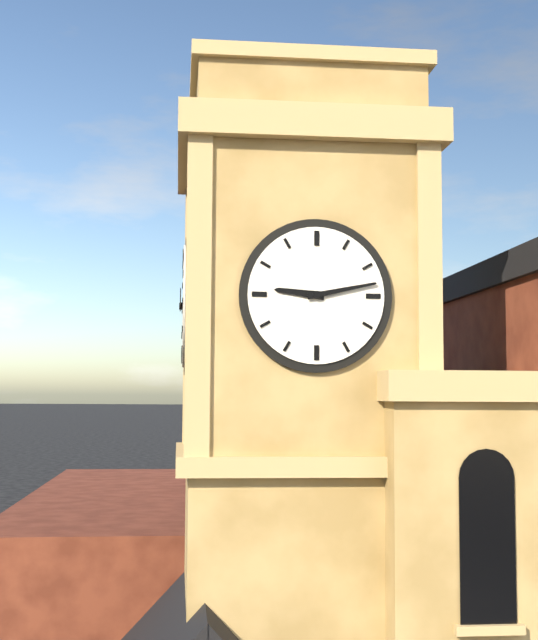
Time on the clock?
9:13
